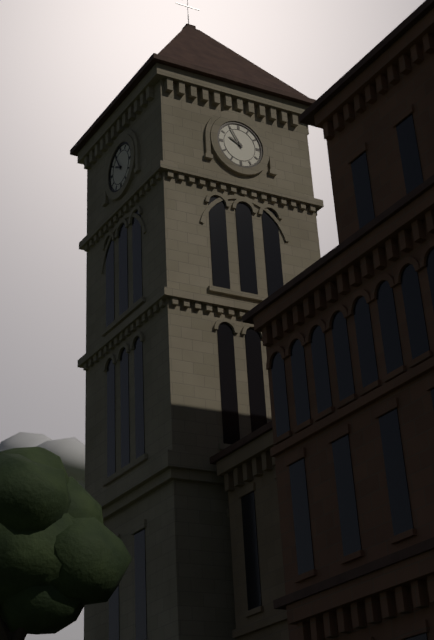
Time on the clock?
9:55
